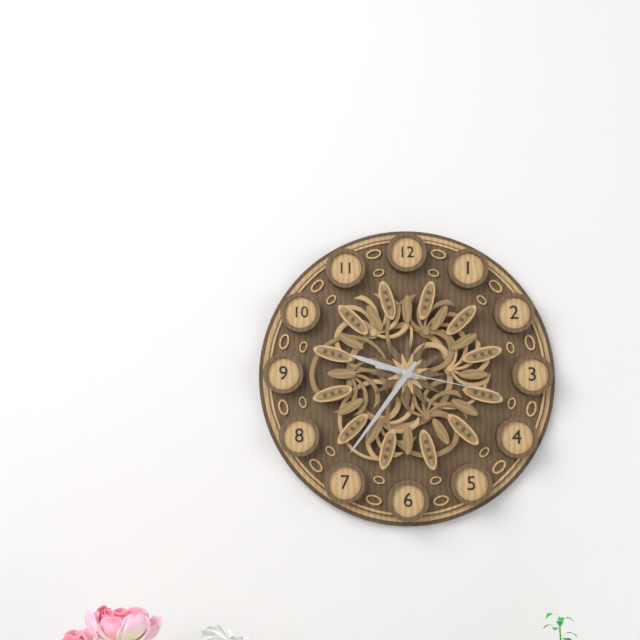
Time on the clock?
9:36:17
